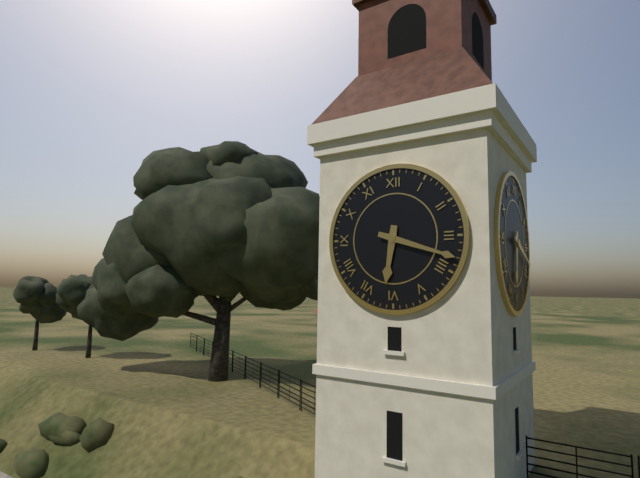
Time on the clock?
6:18
